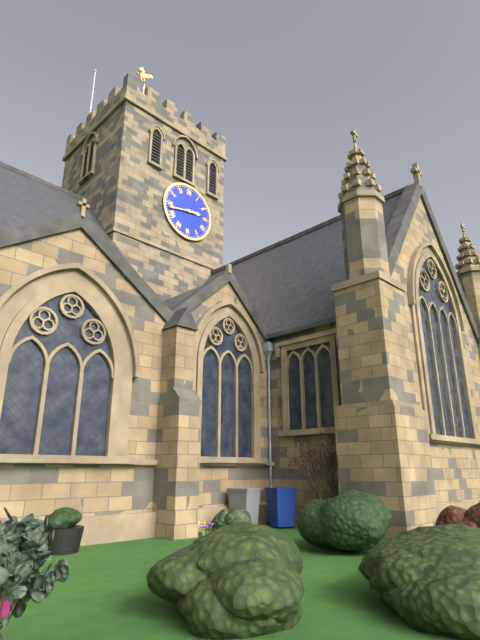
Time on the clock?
2:43
